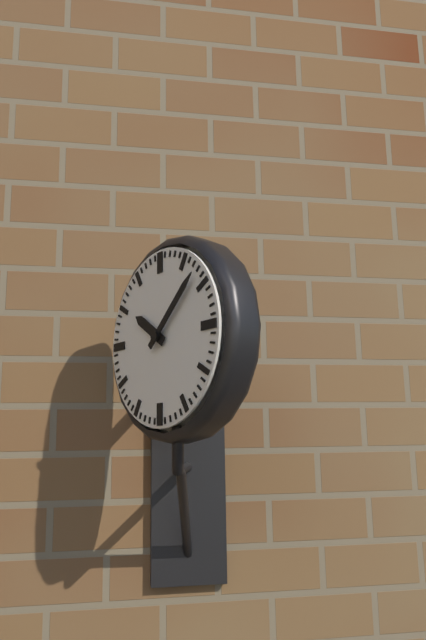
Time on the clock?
10:08
